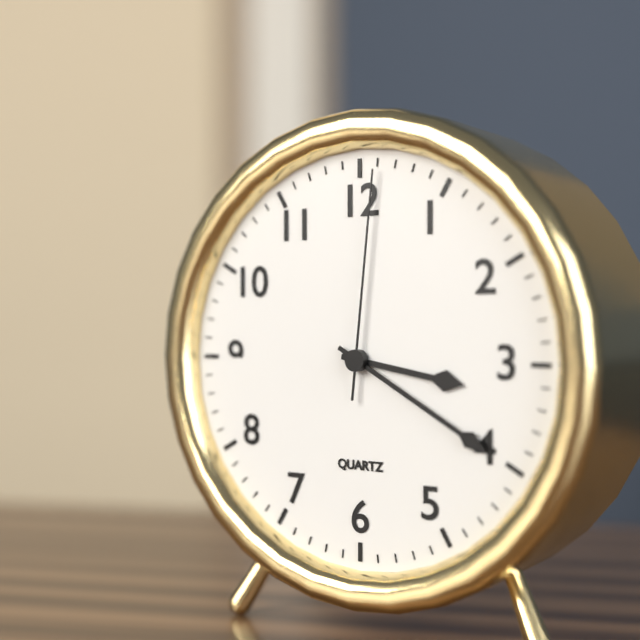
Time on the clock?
3:20:01
